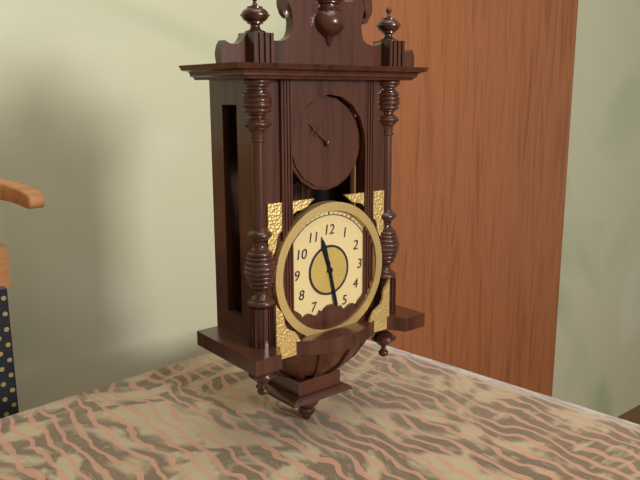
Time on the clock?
11:28
